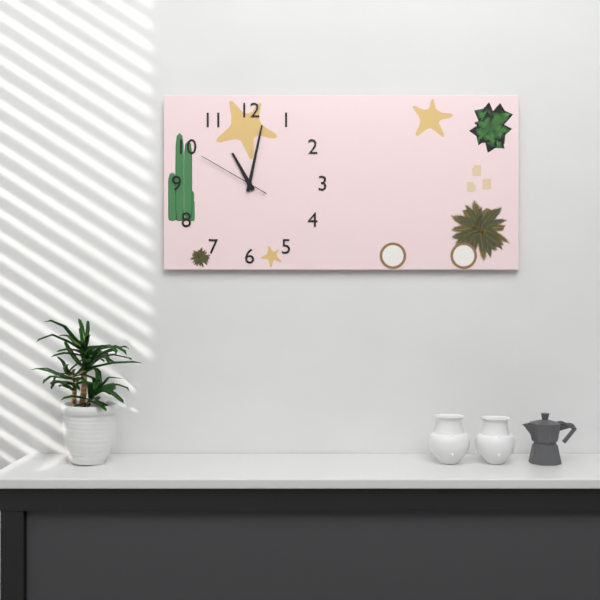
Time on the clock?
11:02:50
